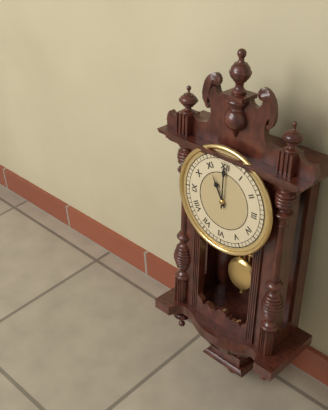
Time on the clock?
11:00
